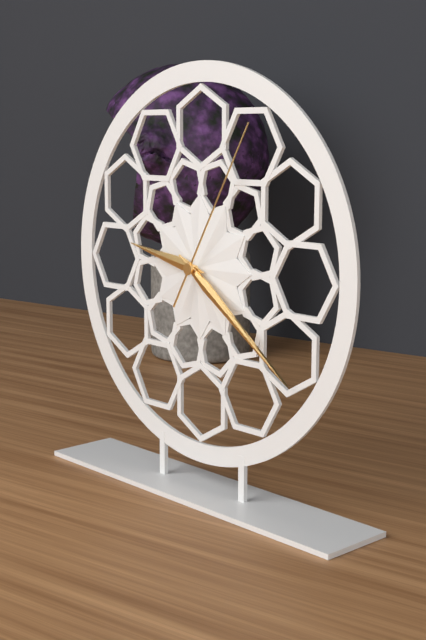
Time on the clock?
9:21:05
